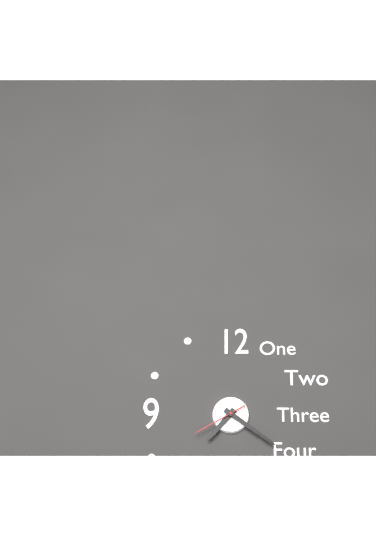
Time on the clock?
7:21:40
